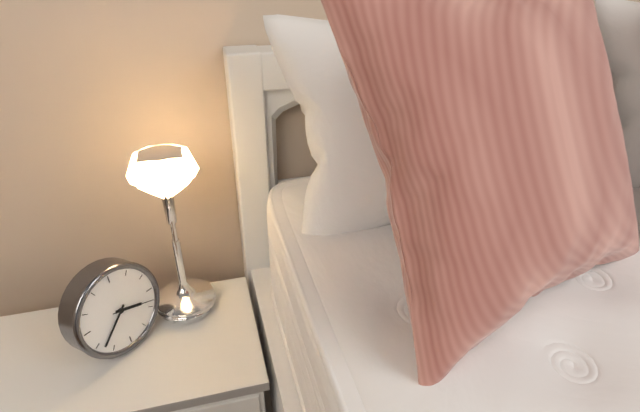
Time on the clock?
3:38
